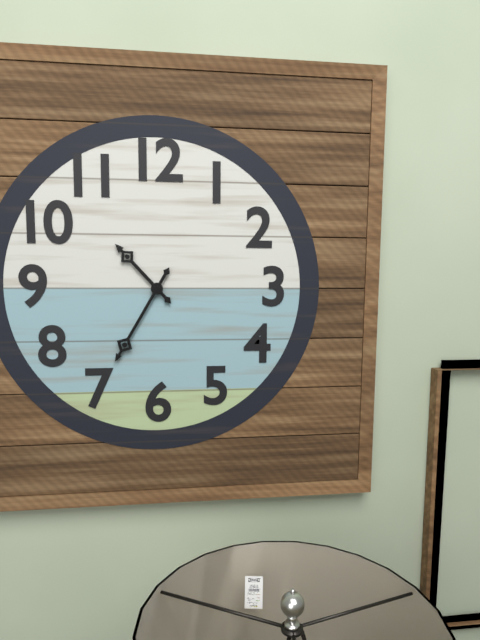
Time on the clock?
10:35
